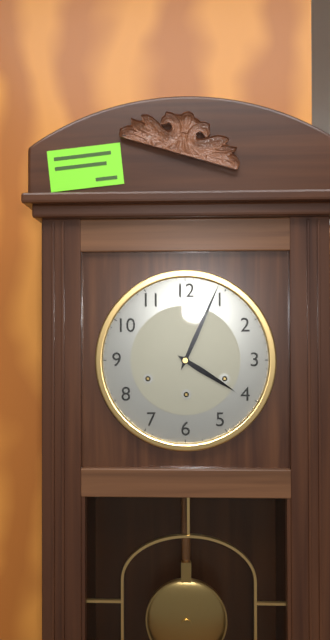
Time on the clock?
4:04
